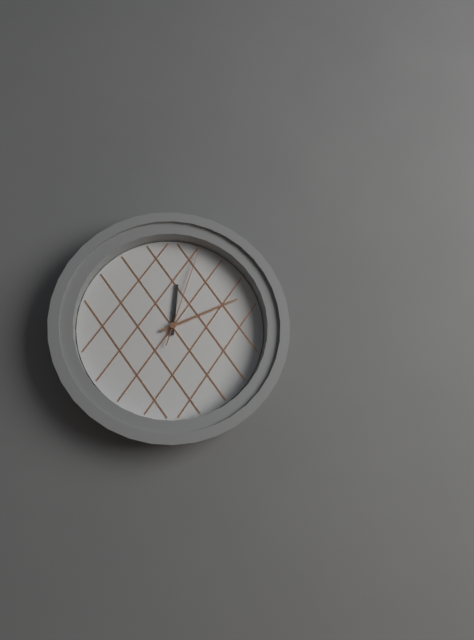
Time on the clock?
12:11:03
